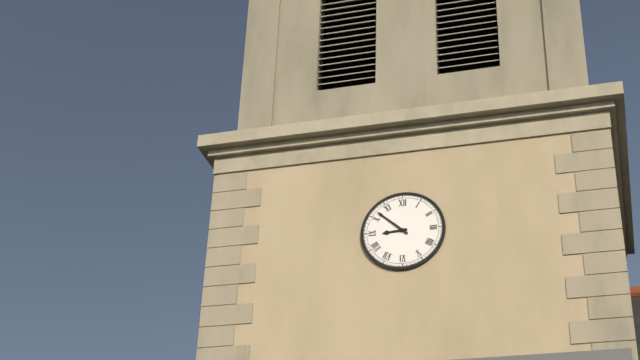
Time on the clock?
8:52
